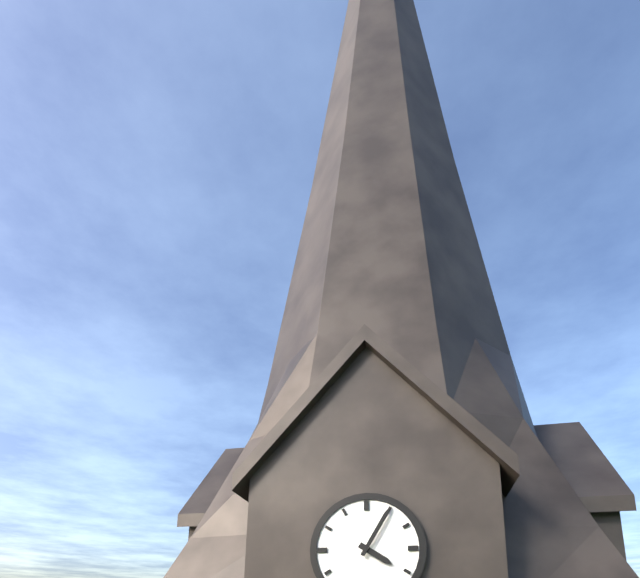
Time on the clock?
4:05
